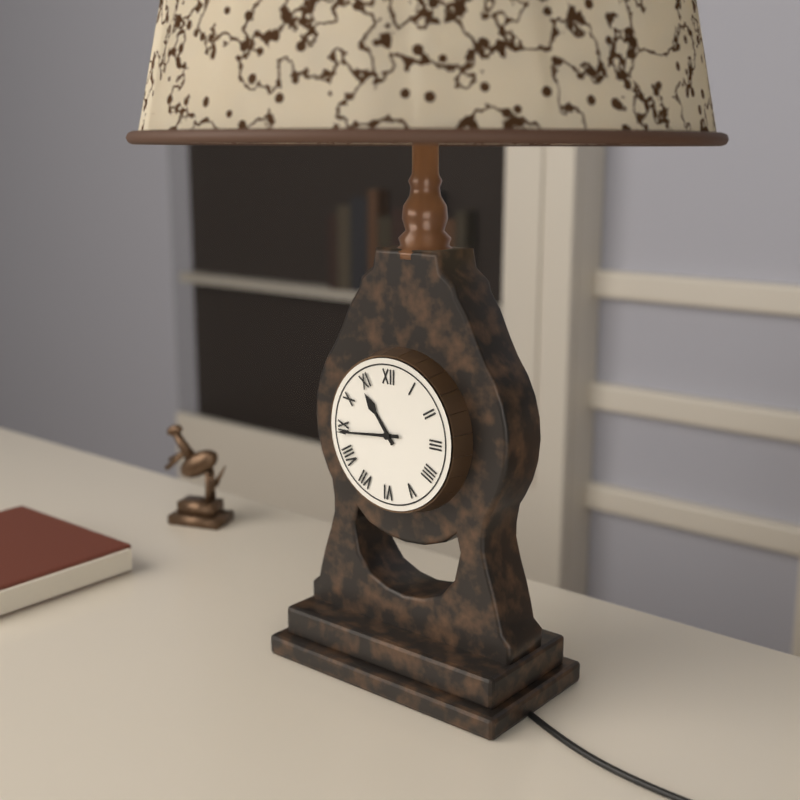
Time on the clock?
10:44
